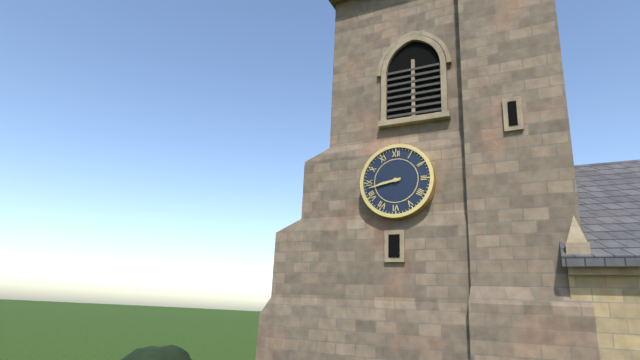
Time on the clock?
8:43
